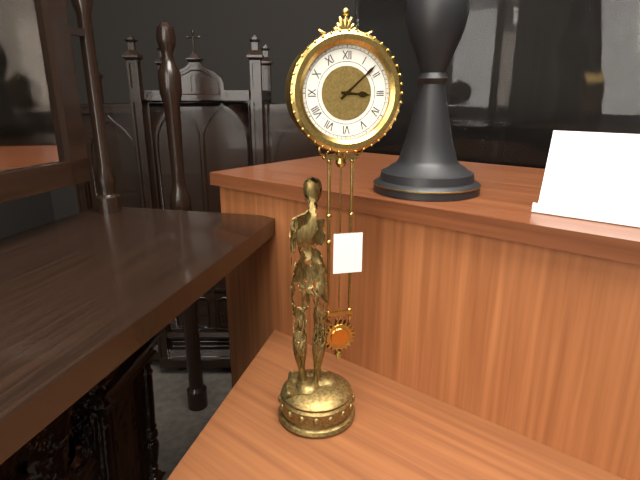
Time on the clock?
3:08
